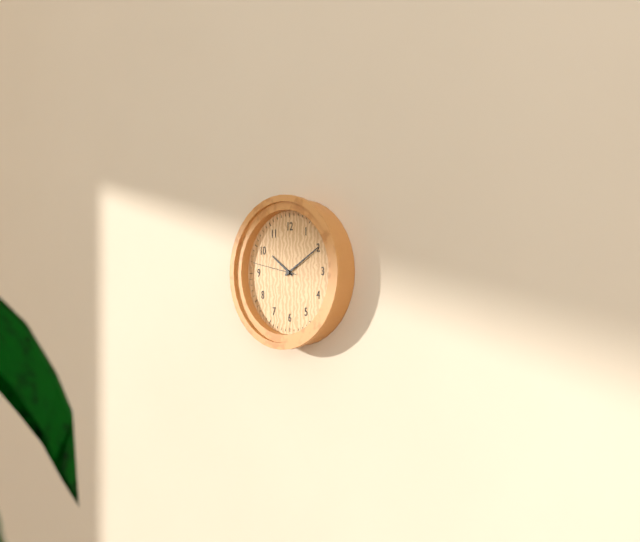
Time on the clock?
10:10
